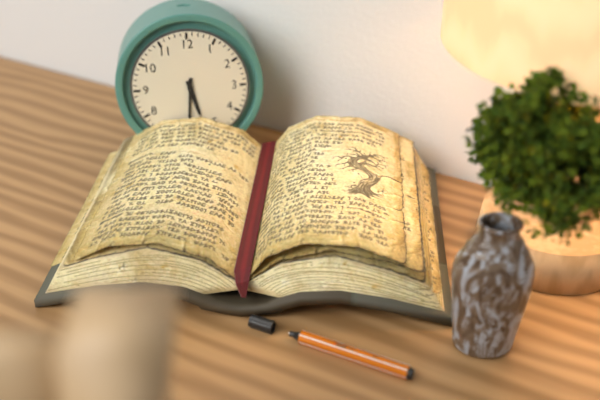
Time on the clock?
5:31
